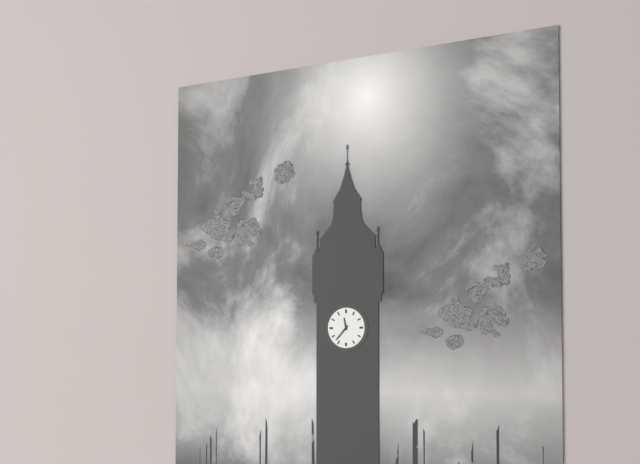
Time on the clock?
11:37
